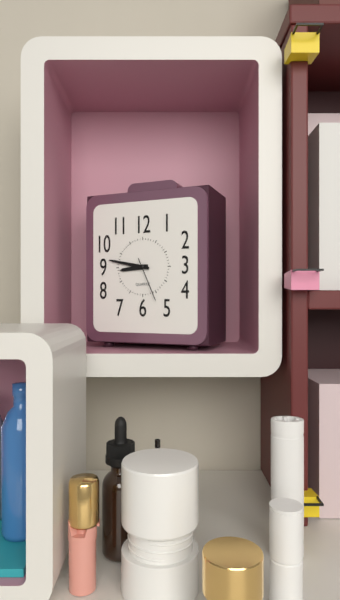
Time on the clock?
8:47
